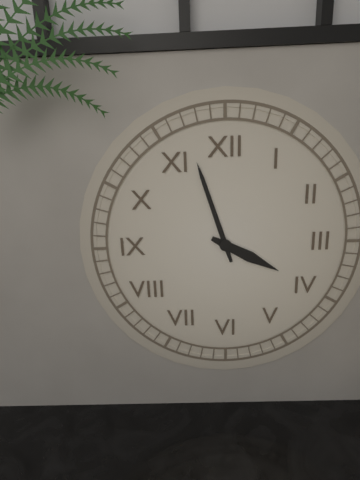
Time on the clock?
3:57
